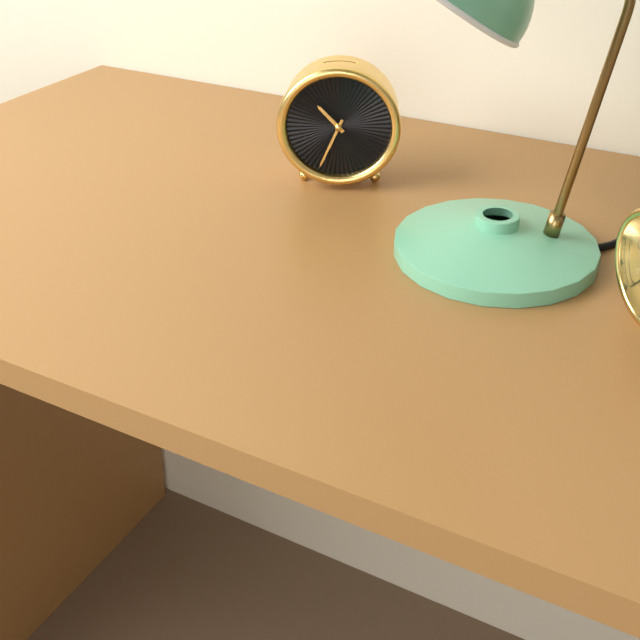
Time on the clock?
10:34
